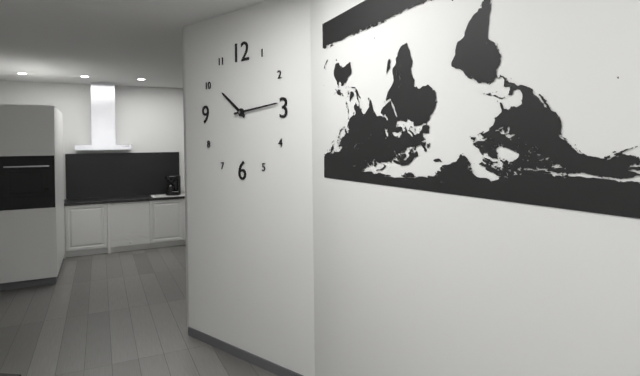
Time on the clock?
10:14
